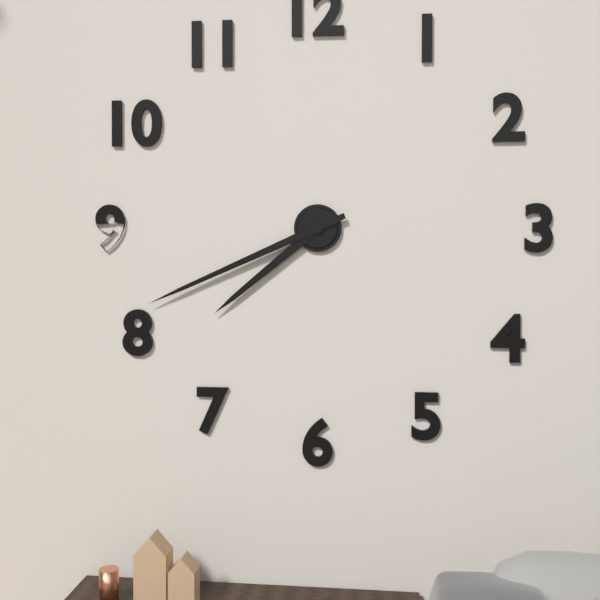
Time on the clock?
7:41
